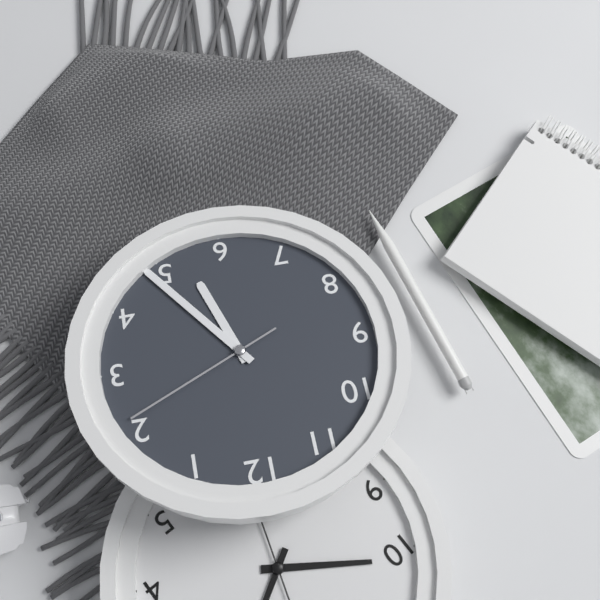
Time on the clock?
5:24:11
